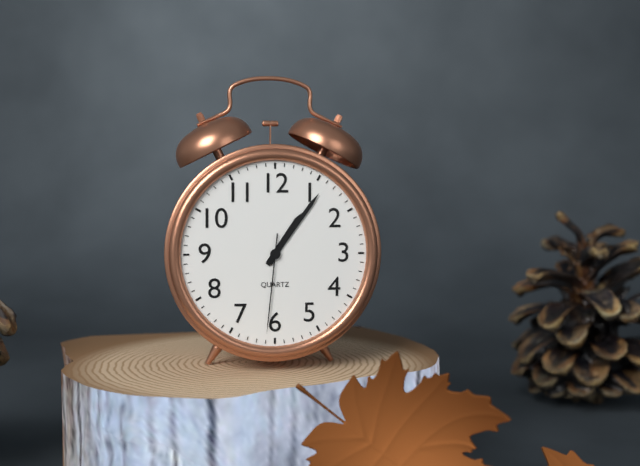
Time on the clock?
1:06:31
